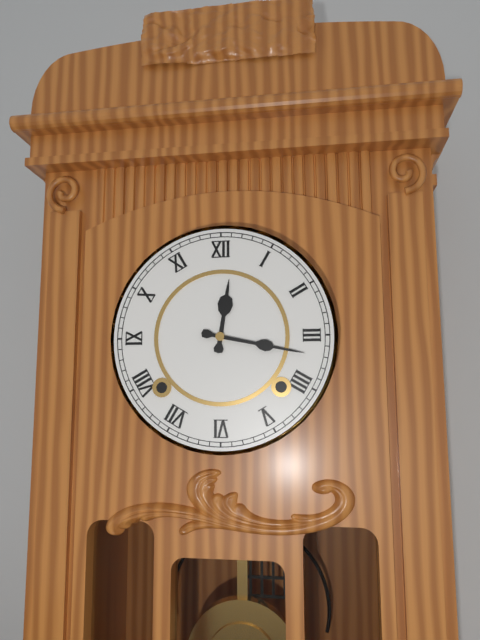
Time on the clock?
12:17
